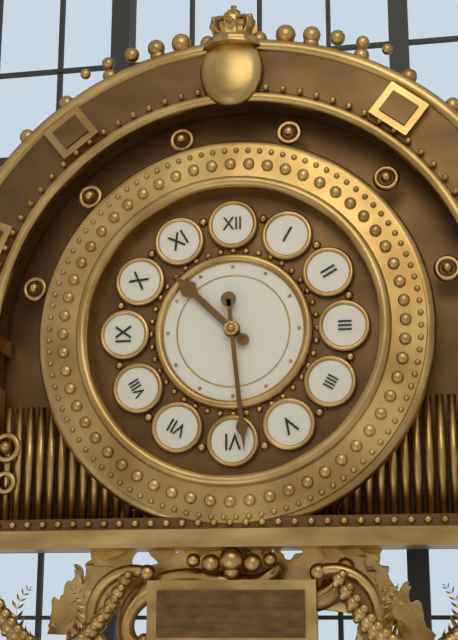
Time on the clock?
10:29
